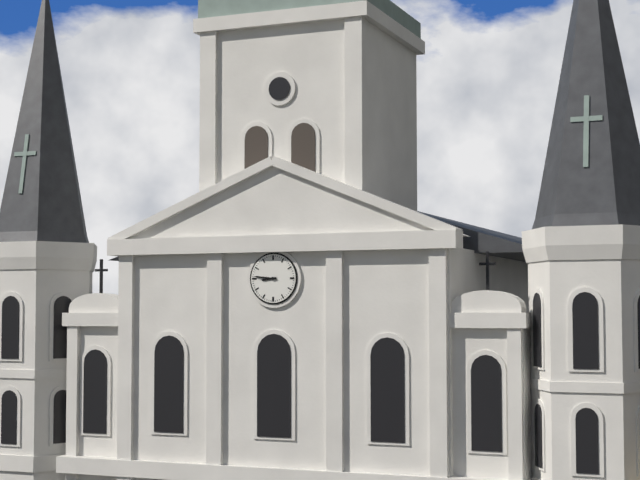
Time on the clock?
8:46
